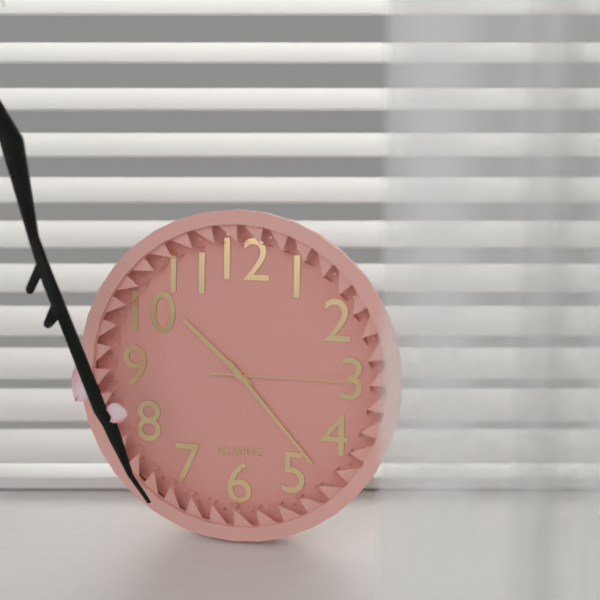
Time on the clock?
10:23:15
